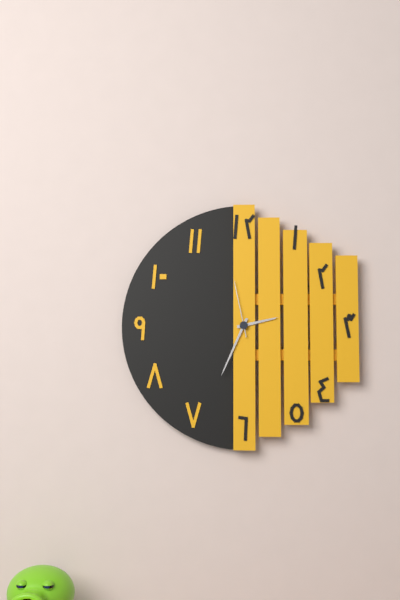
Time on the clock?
2:34:58
